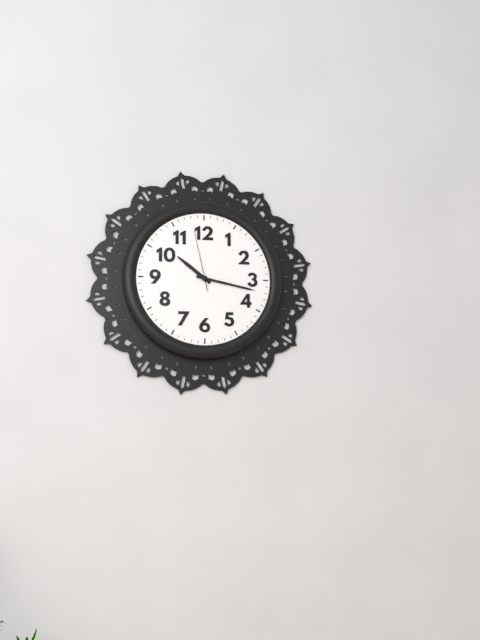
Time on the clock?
10:17:58
